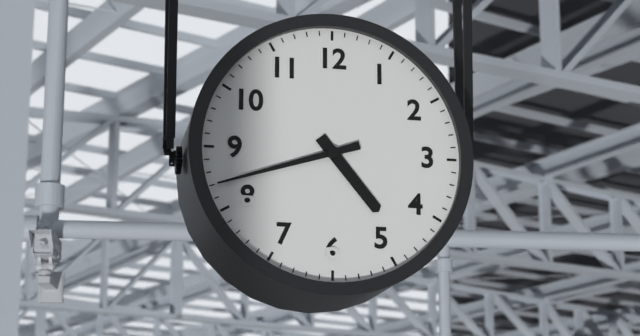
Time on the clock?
4:42
